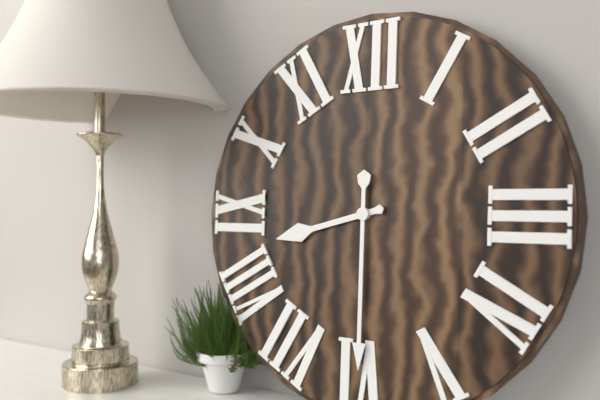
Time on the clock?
8:30
